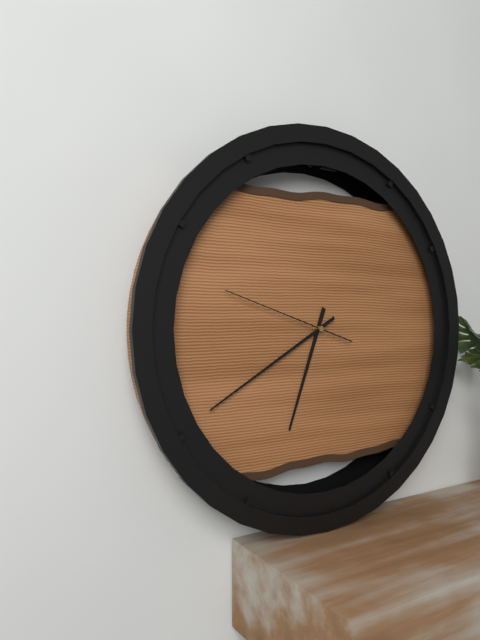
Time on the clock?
6:40:48
